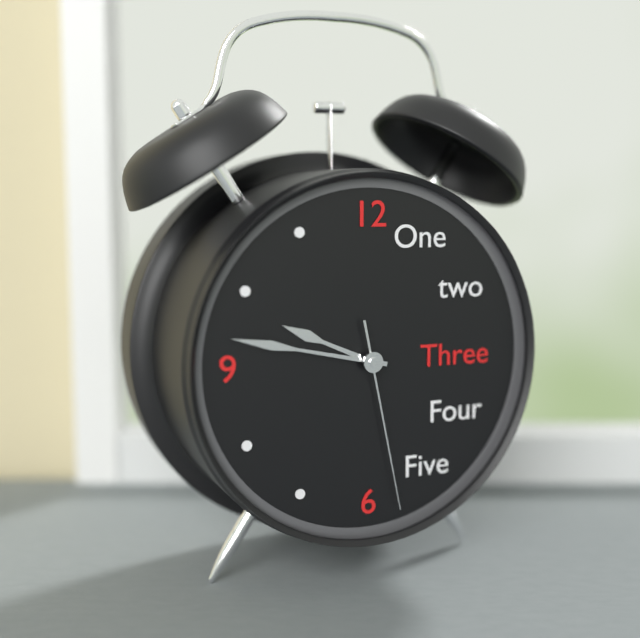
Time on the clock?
9:47:28
